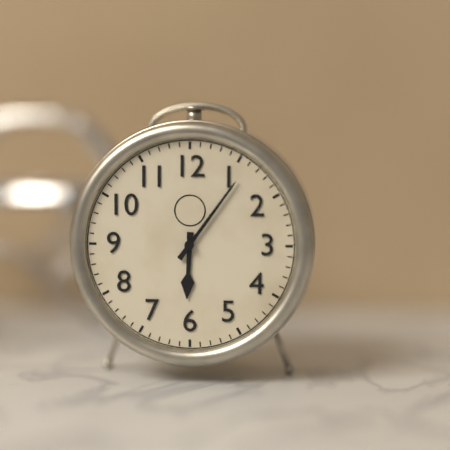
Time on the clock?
6:06
